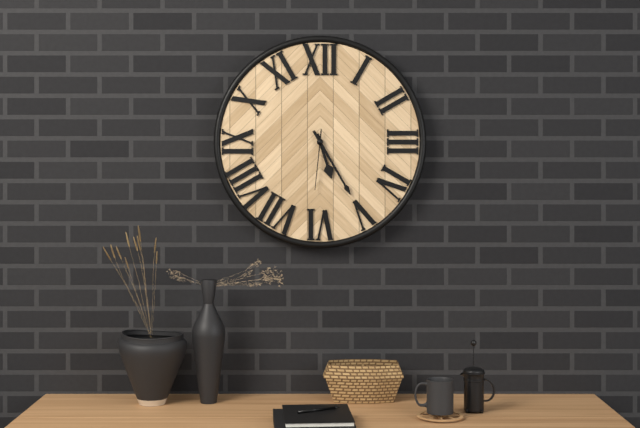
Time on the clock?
5:25:31
